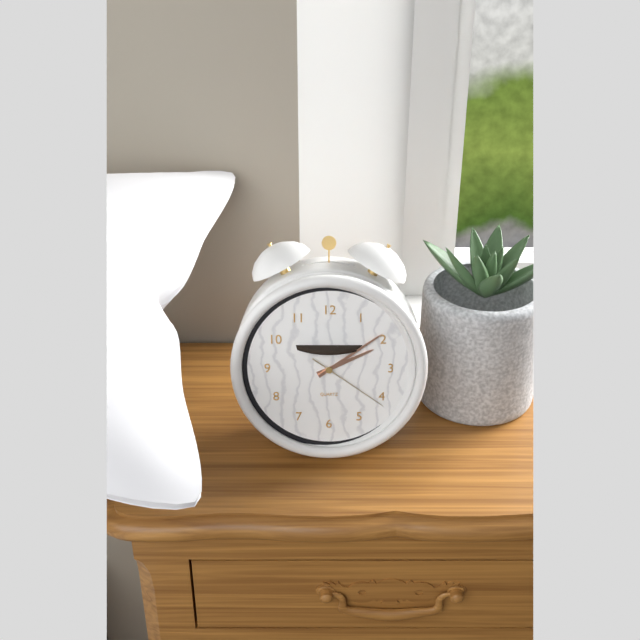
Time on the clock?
2:09:21
